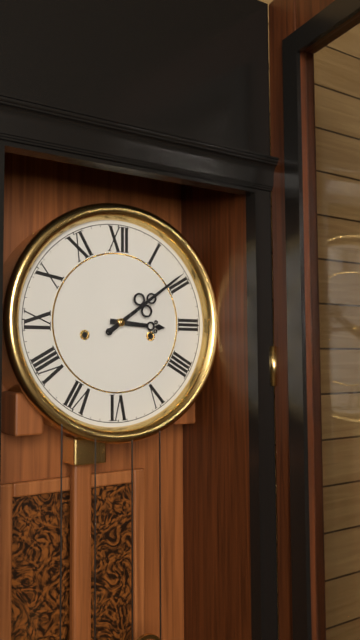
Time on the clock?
3:09
